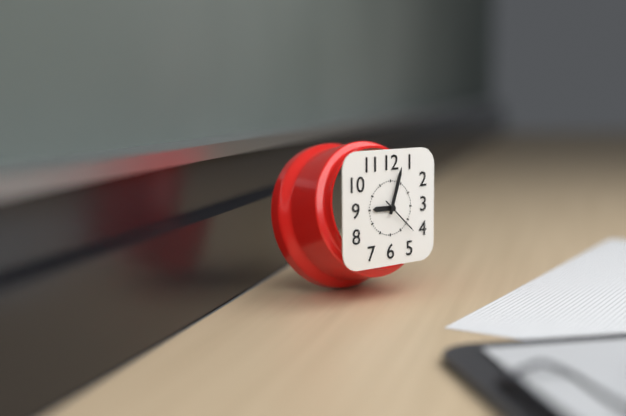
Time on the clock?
9:03
